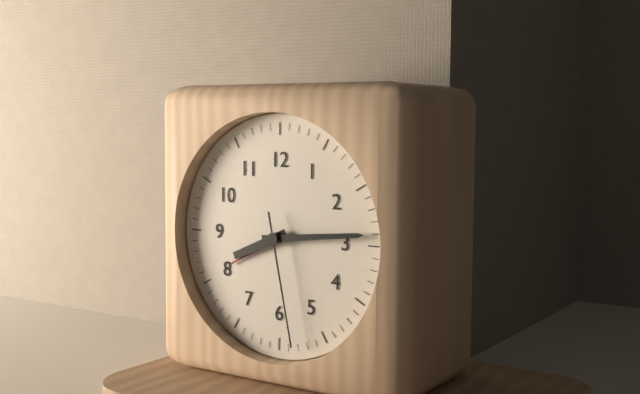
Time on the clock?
8:14:28
